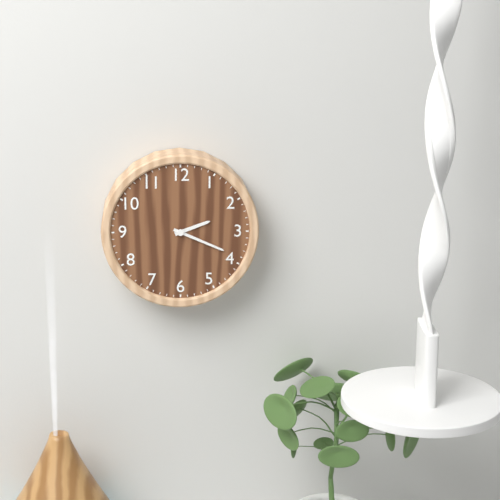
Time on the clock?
2:19
